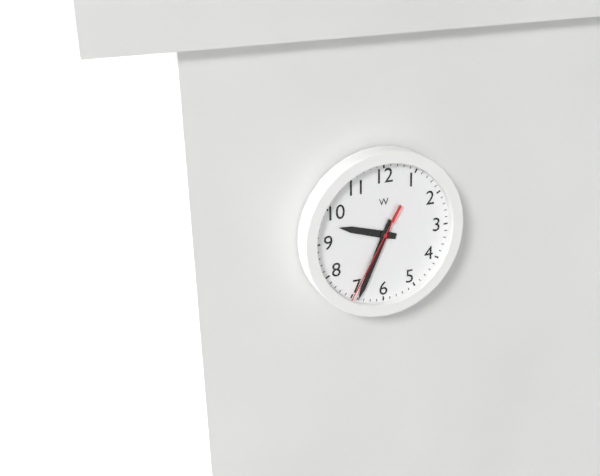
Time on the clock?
9:34:35
